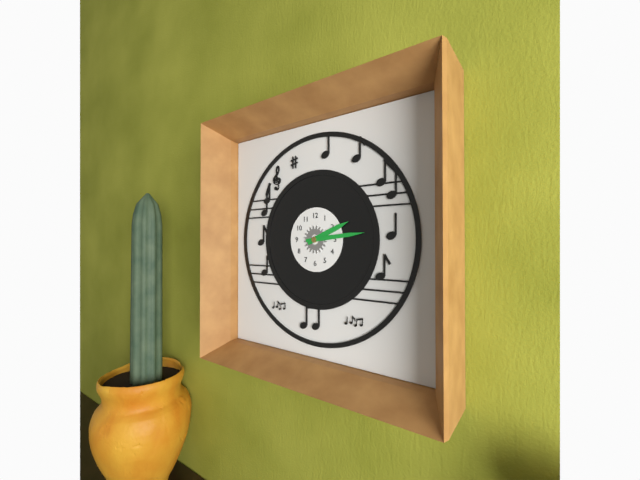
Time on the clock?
2:14
